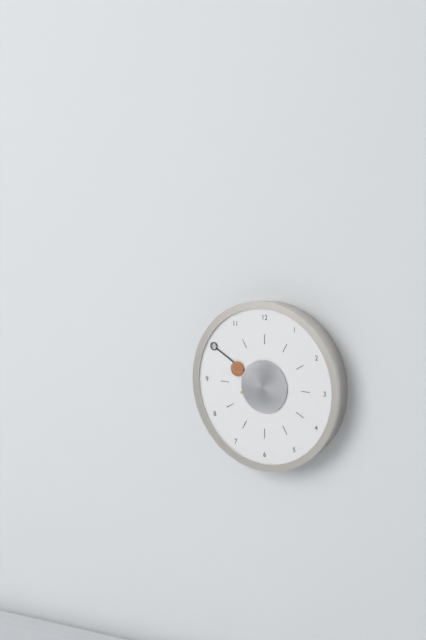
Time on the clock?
9:50
